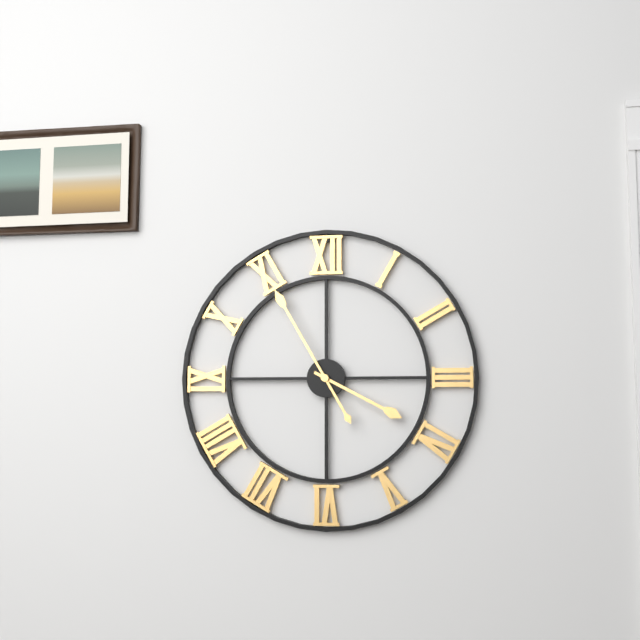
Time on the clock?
3:55
